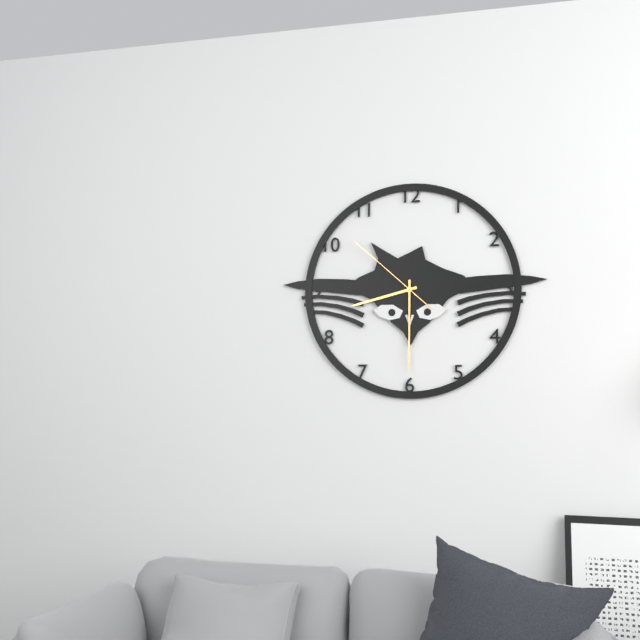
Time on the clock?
8:30:52
